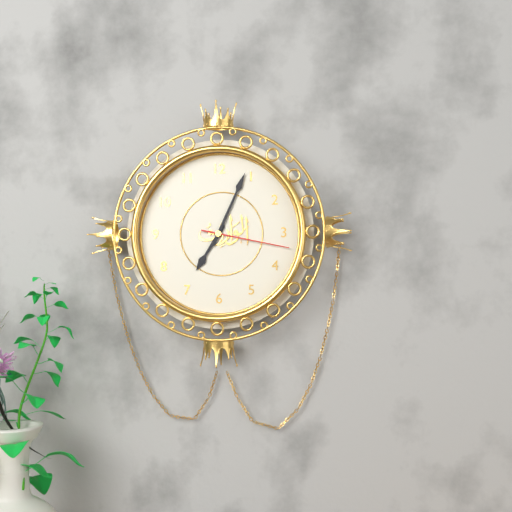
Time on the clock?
7:04:17
